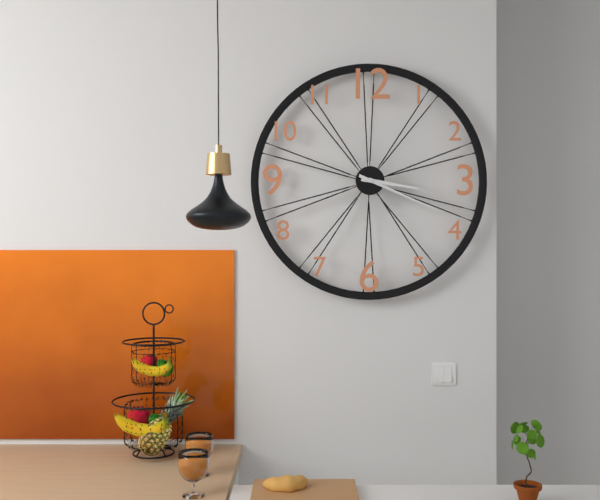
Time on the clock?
3:19
